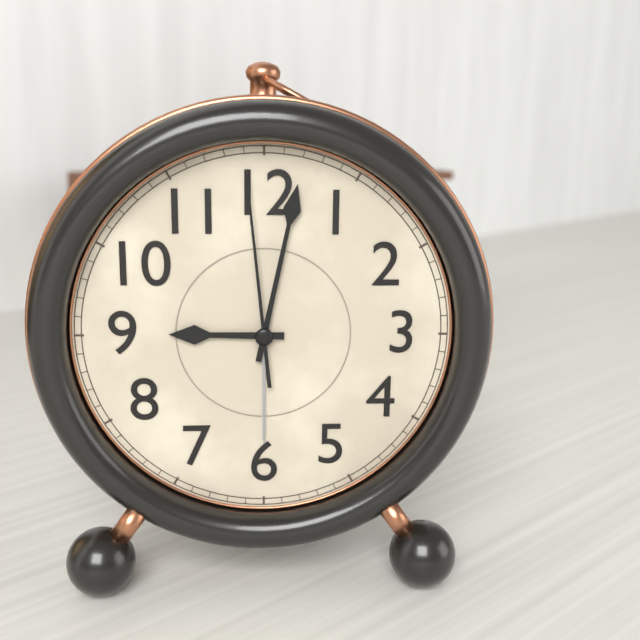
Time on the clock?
9:02:59
